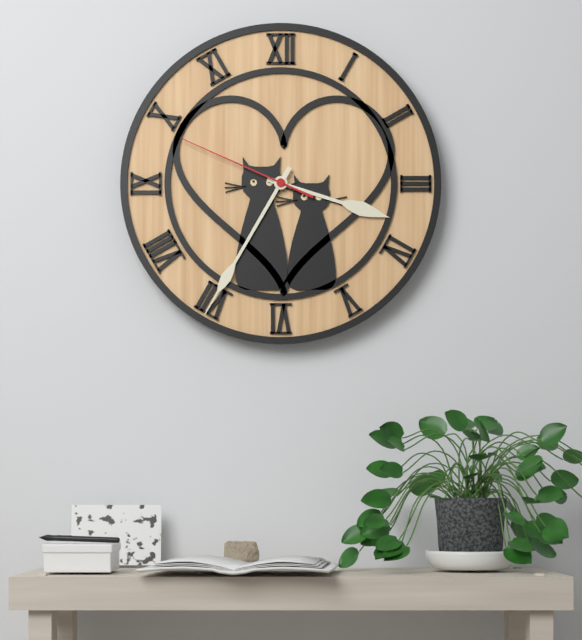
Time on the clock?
3:35:49
